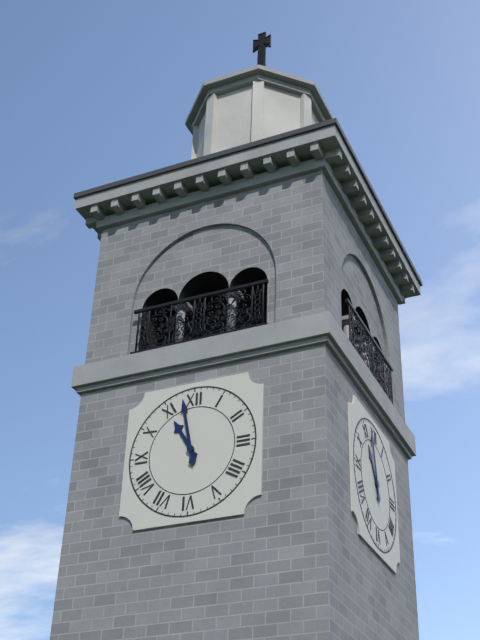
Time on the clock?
10:58
